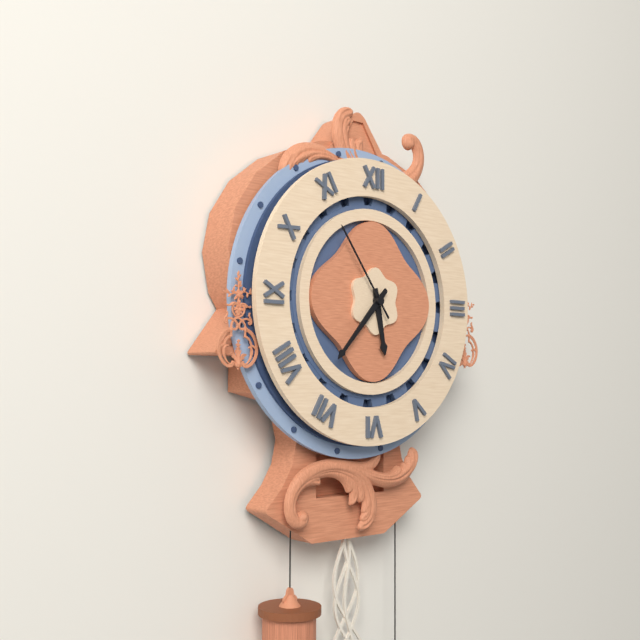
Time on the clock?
5:37:54
